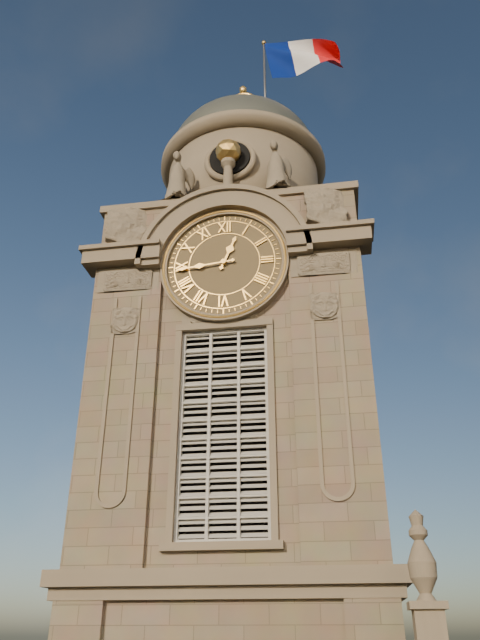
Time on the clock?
12:44
